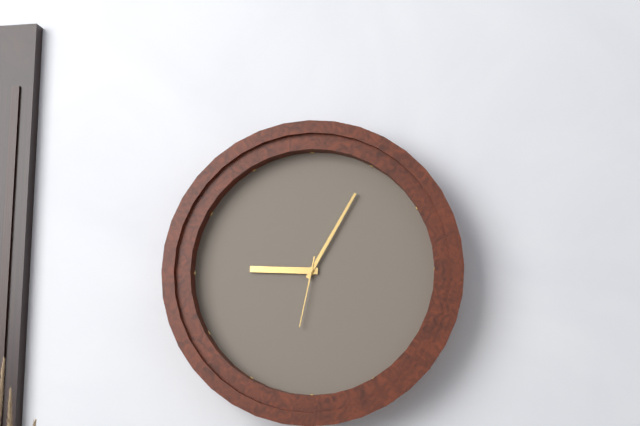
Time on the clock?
9:05:32
